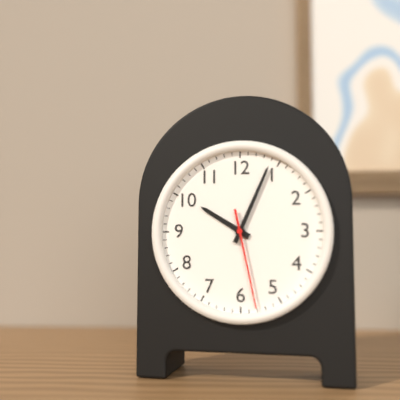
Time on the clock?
10:04:28
